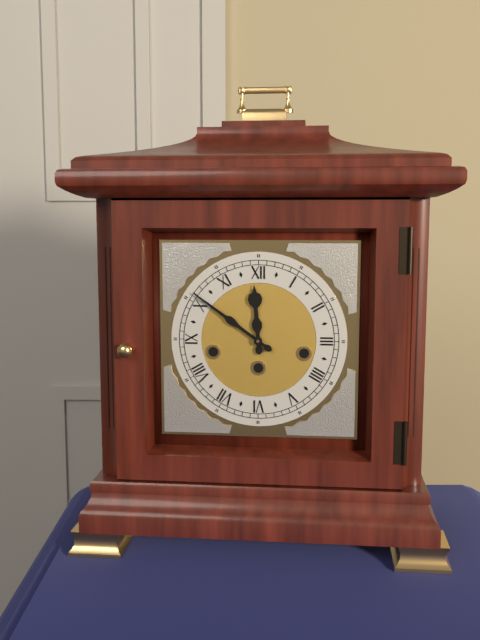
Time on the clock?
11:51
